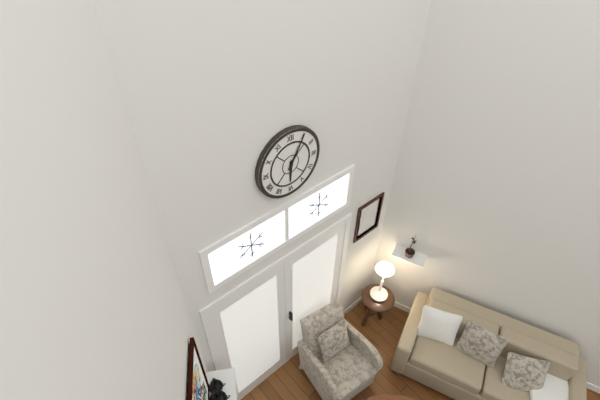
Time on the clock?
6:05
